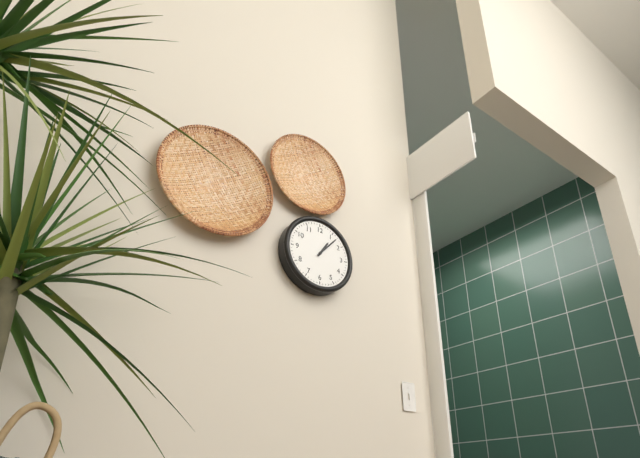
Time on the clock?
1:07
